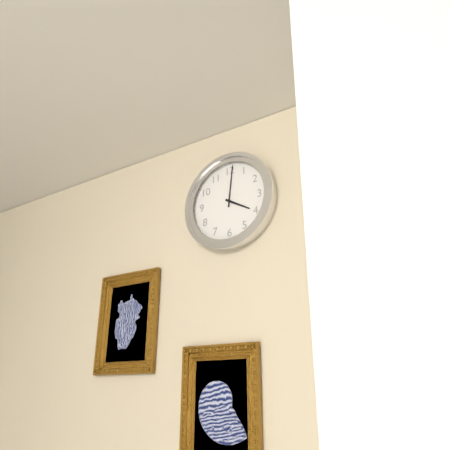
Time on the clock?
4:01
